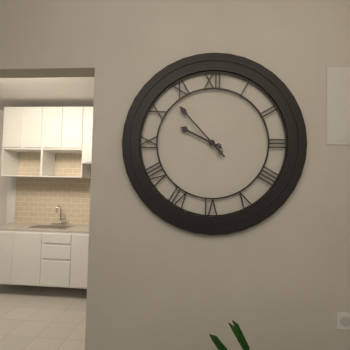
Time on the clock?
9:53
